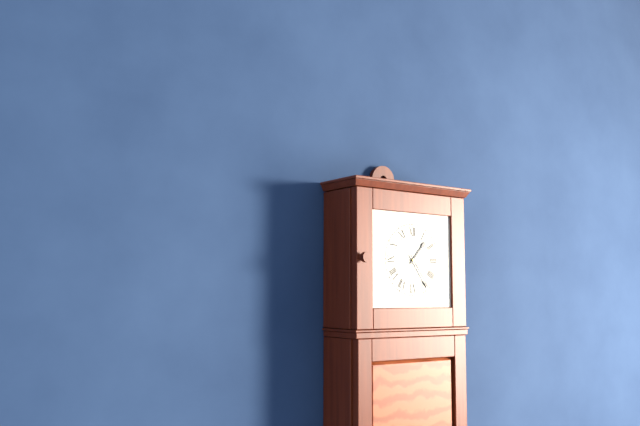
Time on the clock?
1:24
